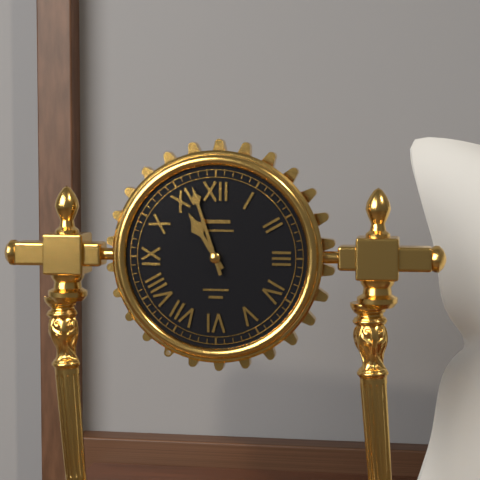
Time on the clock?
10:57
